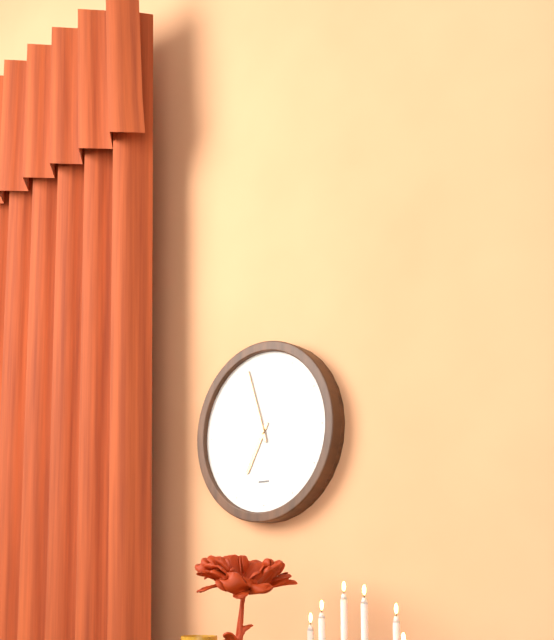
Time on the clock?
6:57
